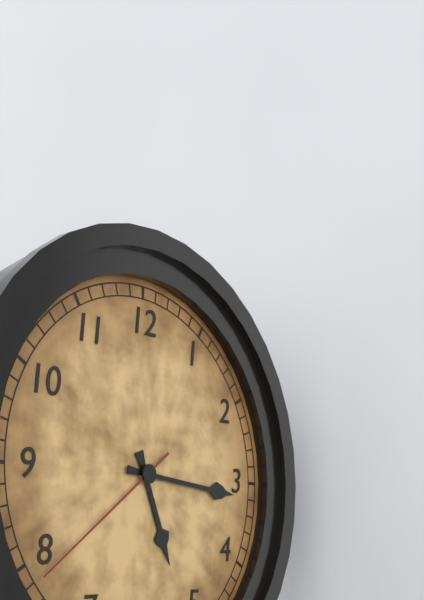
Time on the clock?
5:16:39
